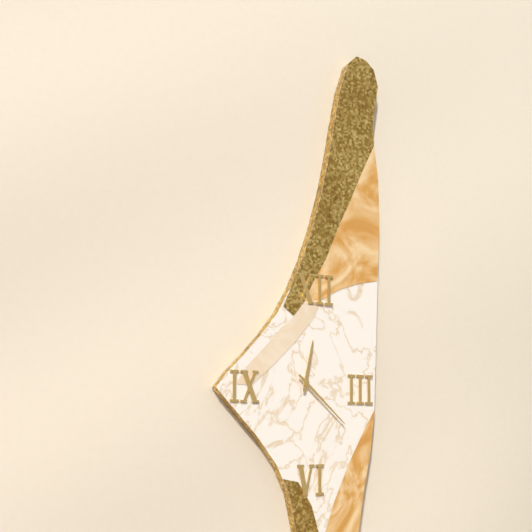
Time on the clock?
12:22
